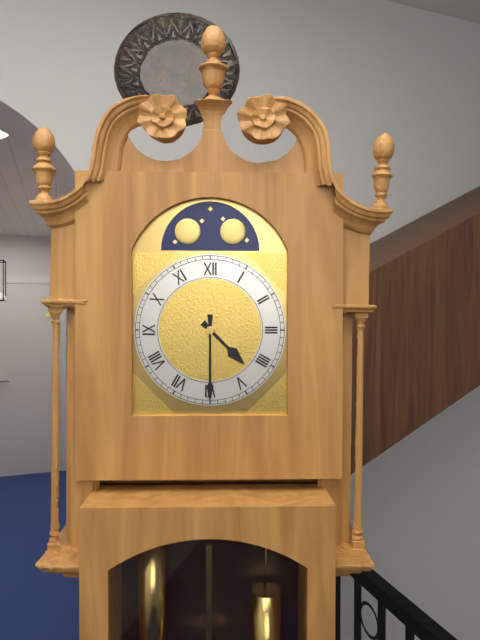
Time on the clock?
4:30
